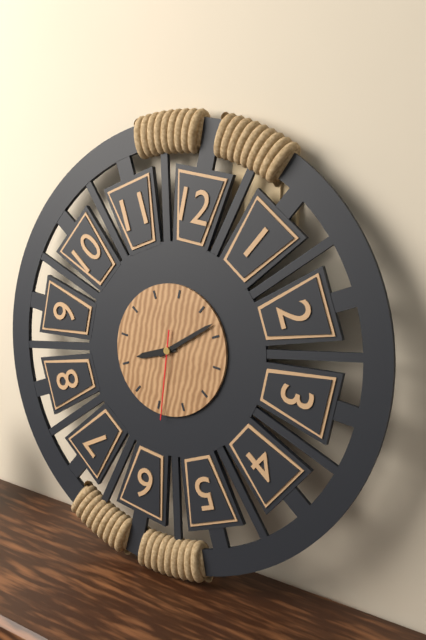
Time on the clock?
8:08:29
